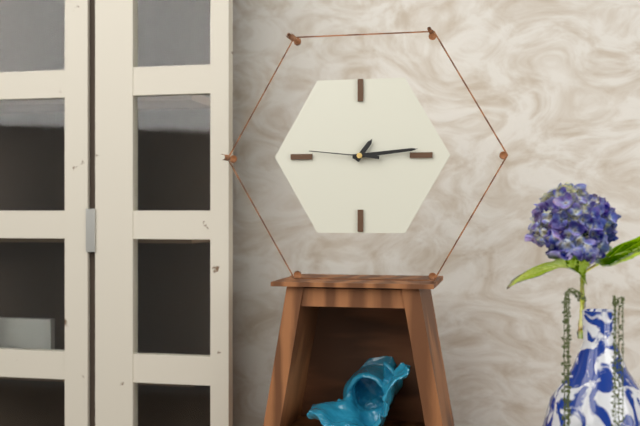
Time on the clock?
1:14:46
